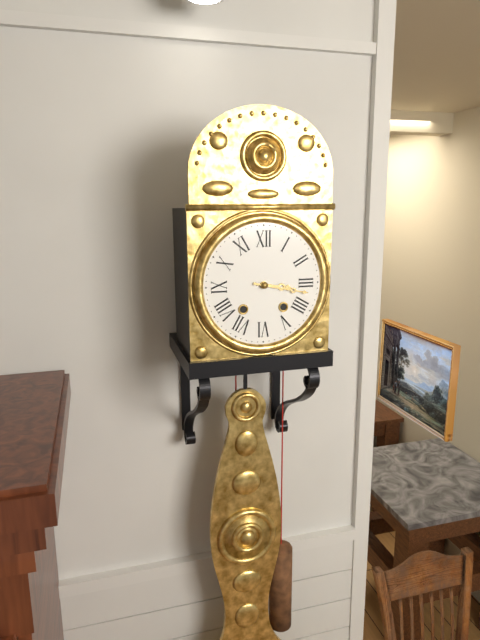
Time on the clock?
3:17
